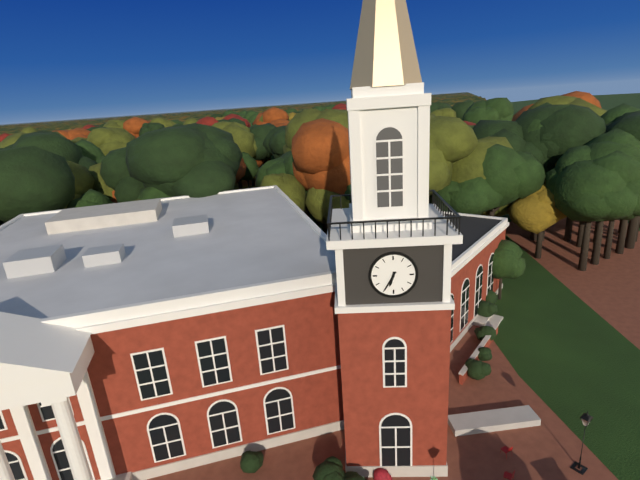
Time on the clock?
6:35
